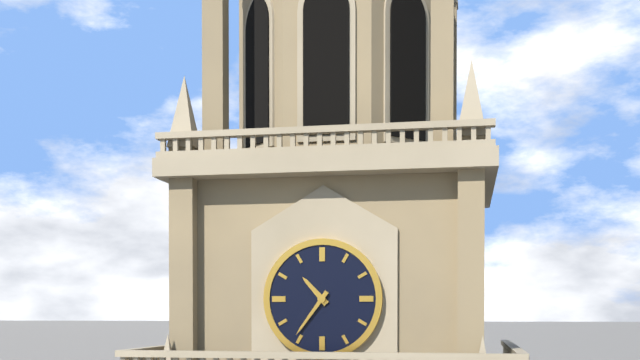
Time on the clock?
10:36
